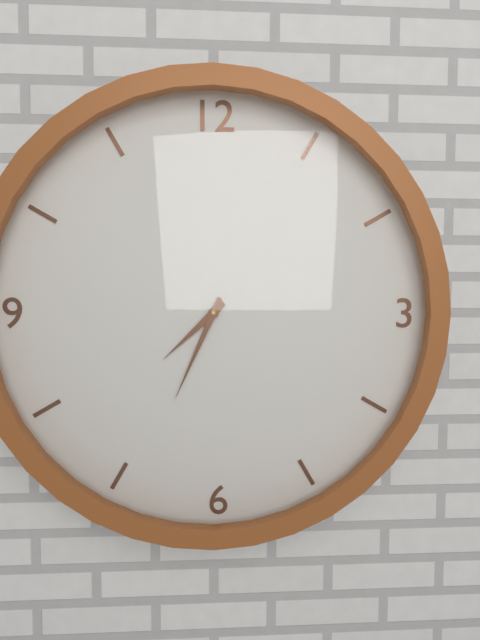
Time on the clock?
7:34
